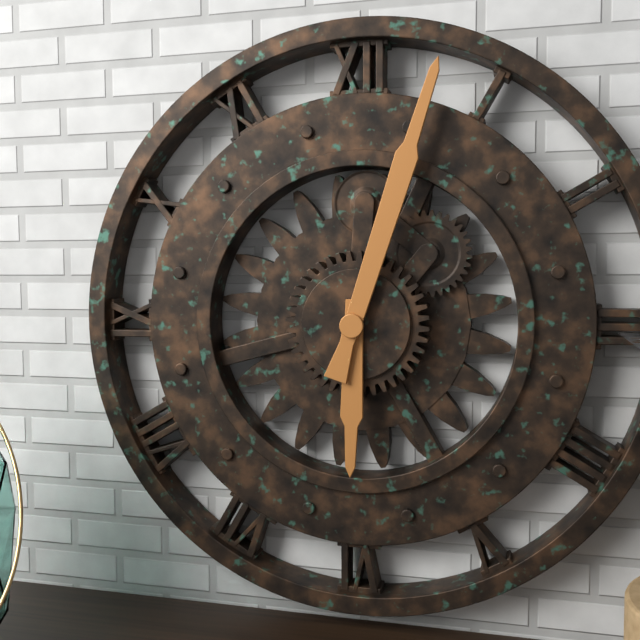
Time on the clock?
6:03
